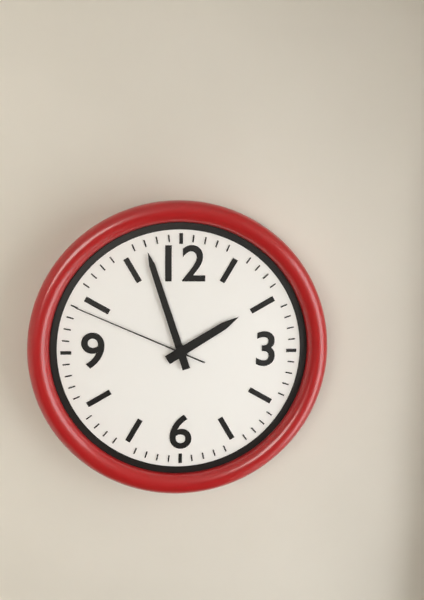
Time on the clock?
1:57:49
